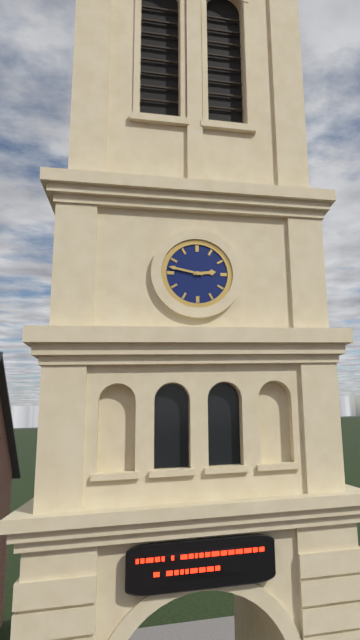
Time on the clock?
2:47
